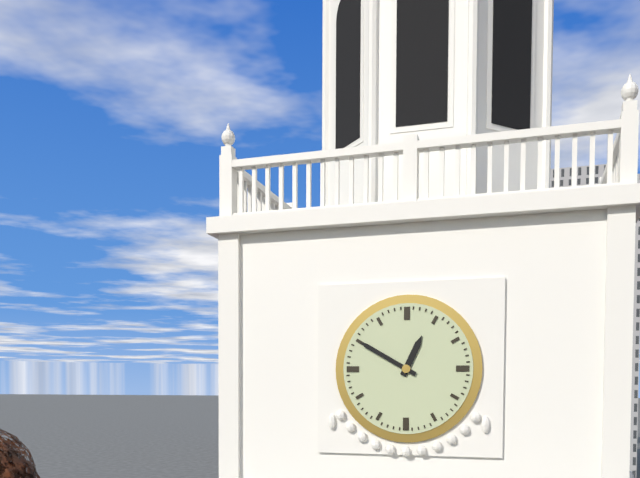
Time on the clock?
12:50
